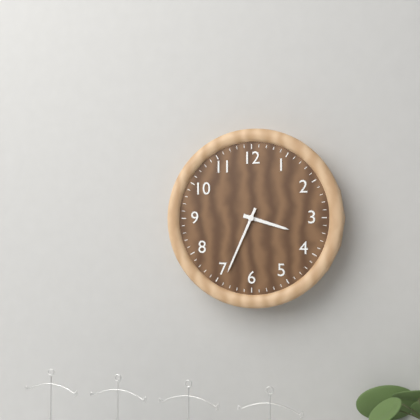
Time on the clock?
3:34
